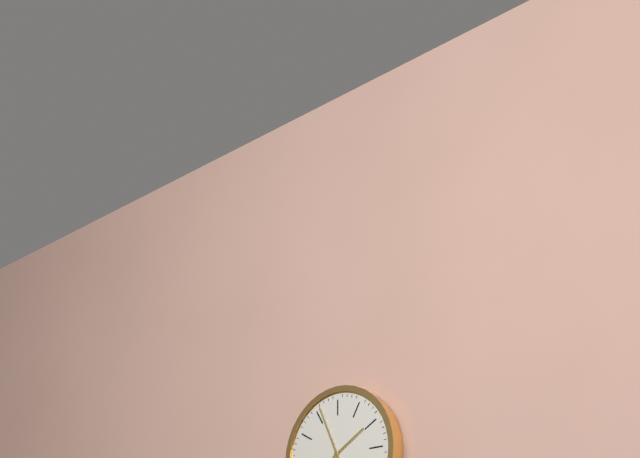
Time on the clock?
1:56
